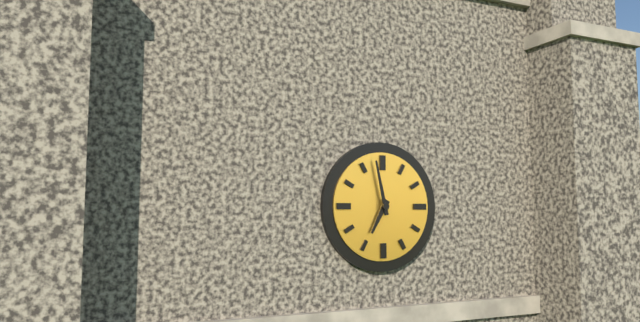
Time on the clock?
6:58
